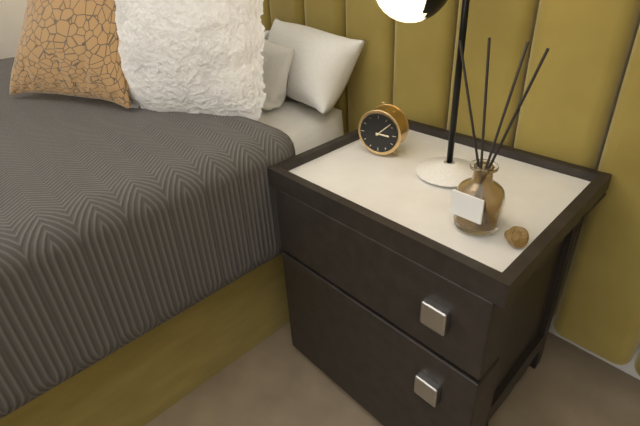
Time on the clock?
3:08
